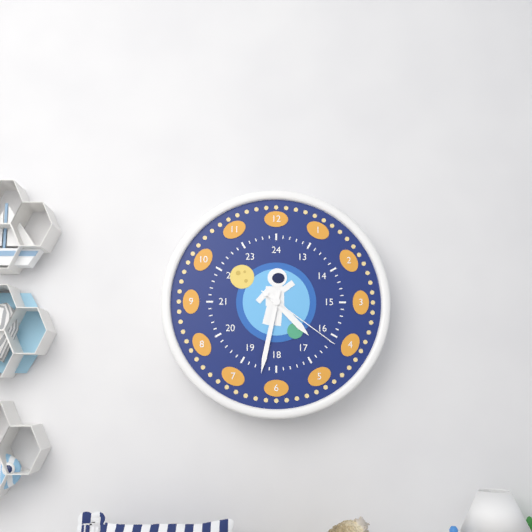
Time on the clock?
4:32:21
